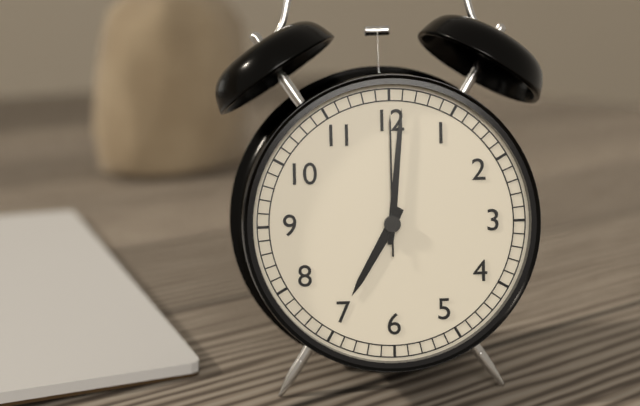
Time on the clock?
7:01:00
